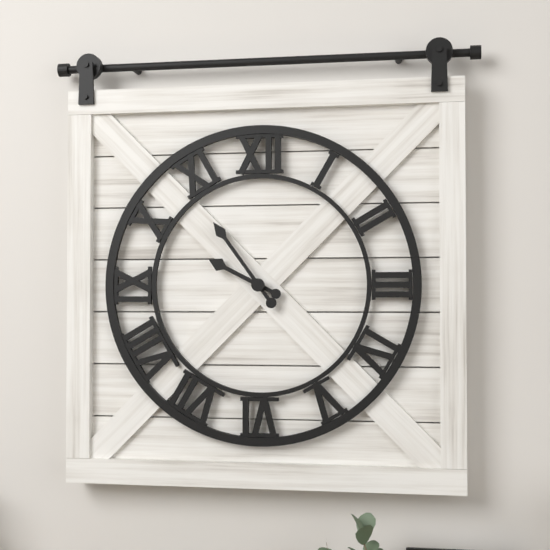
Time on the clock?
9:54
